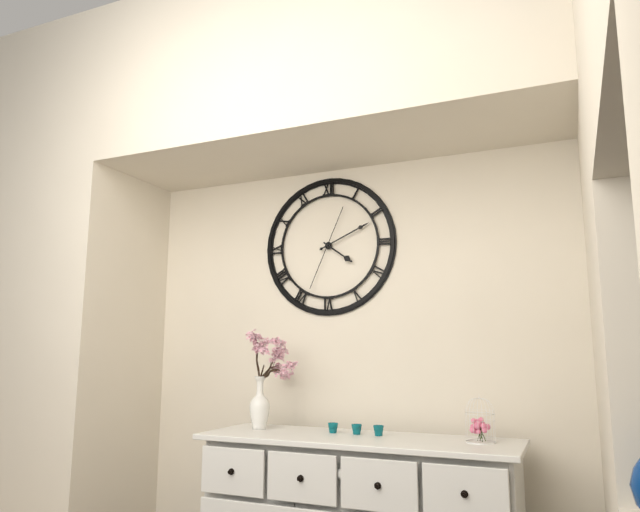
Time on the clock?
4:11:34
